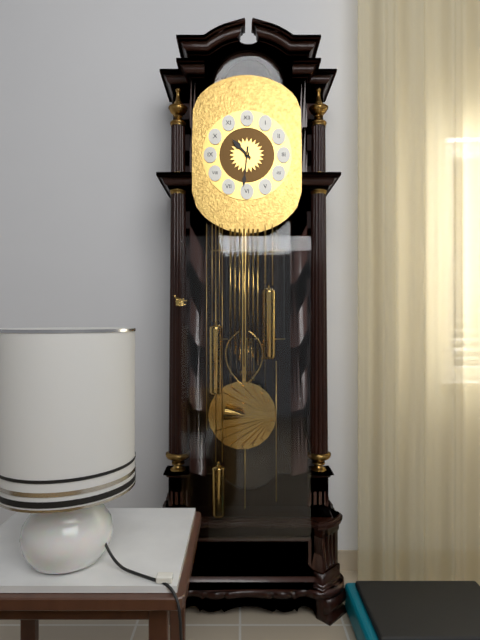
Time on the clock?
10:31
